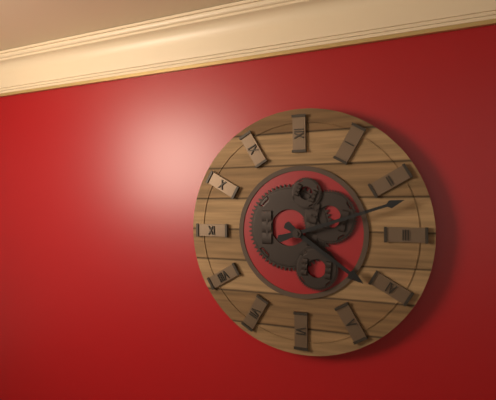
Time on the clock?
4:12
